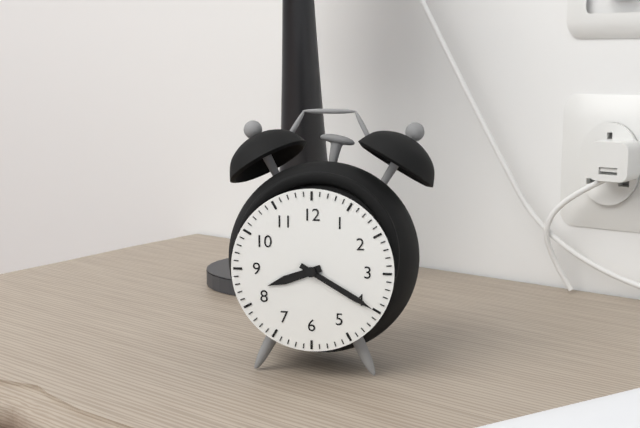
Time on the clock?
8:20
